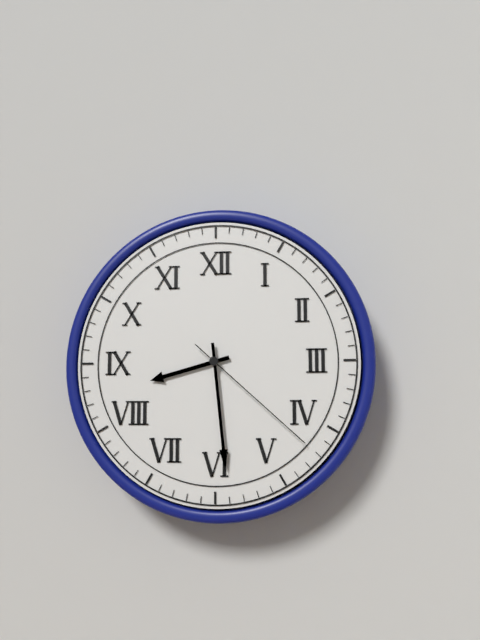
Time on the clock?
8:29:22
